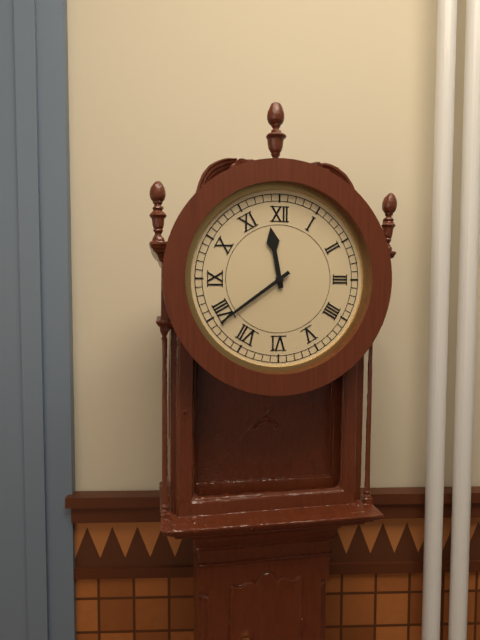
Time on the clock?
11:39
